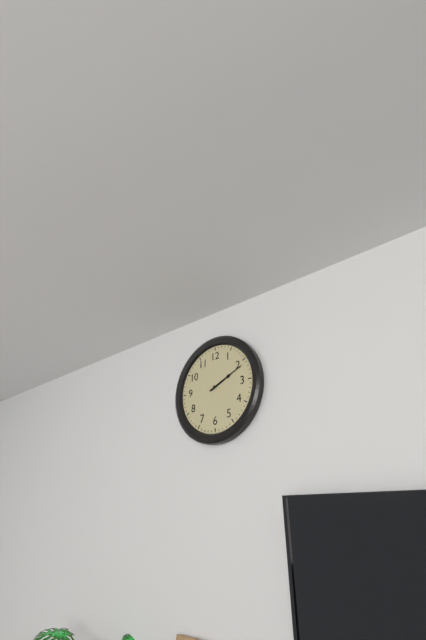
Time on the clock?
2:11
